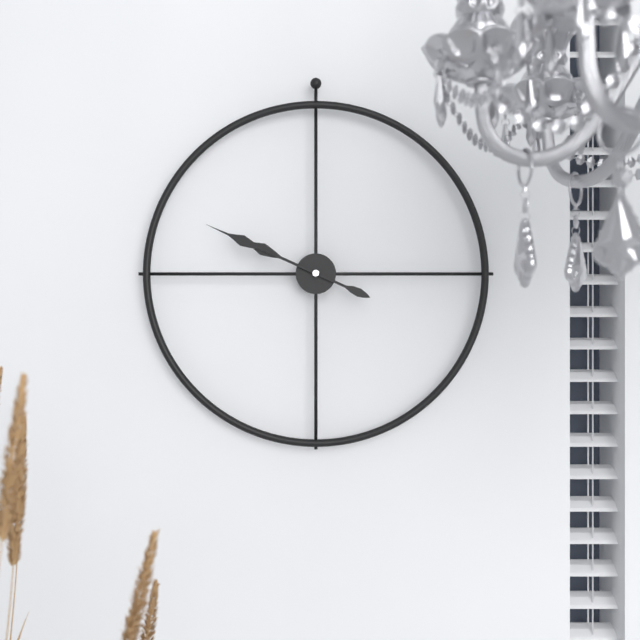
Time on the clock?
9:49
